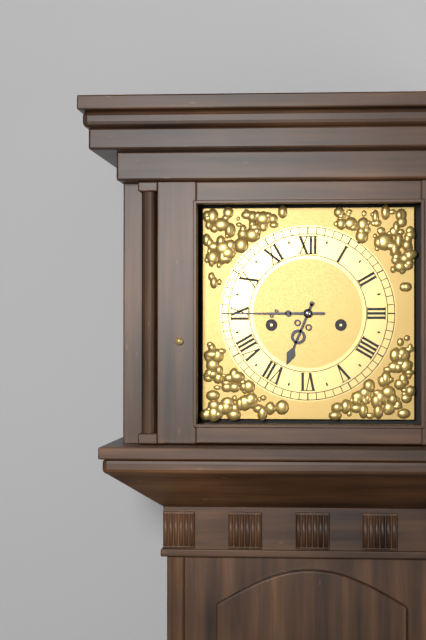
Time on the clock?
6:45
